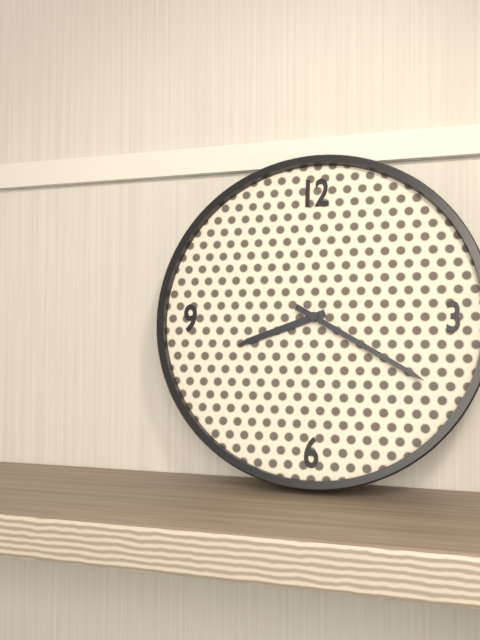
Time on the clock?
8:20
